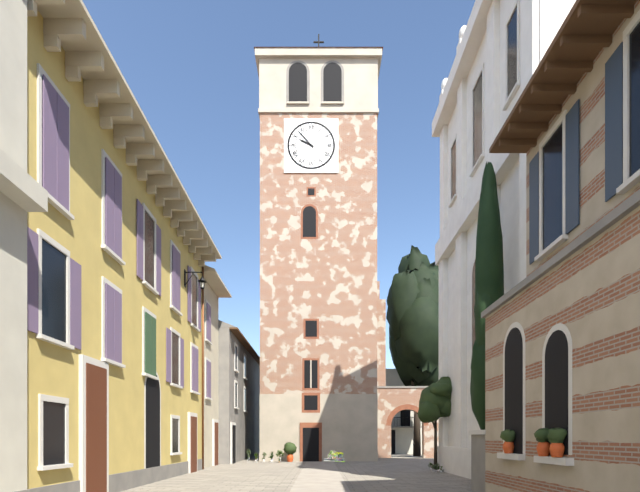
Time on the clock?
9:53
